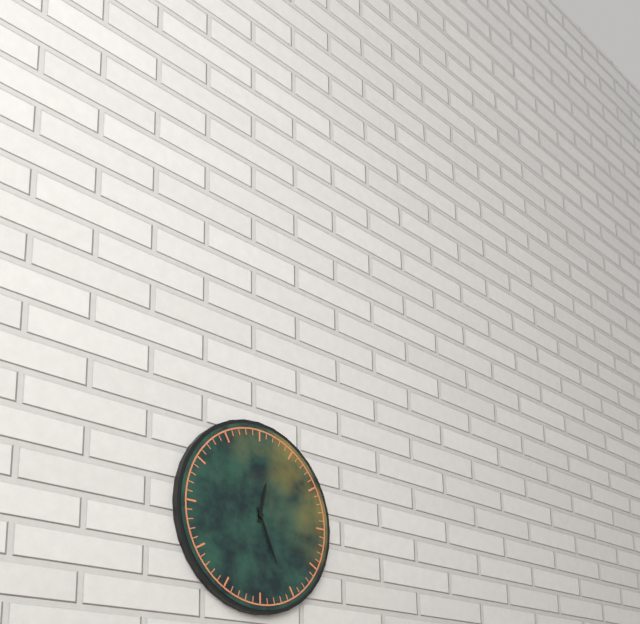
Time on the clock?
12:26
